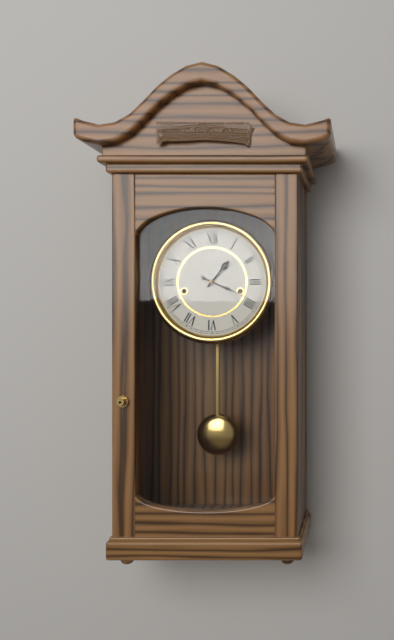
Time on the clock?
1:19
